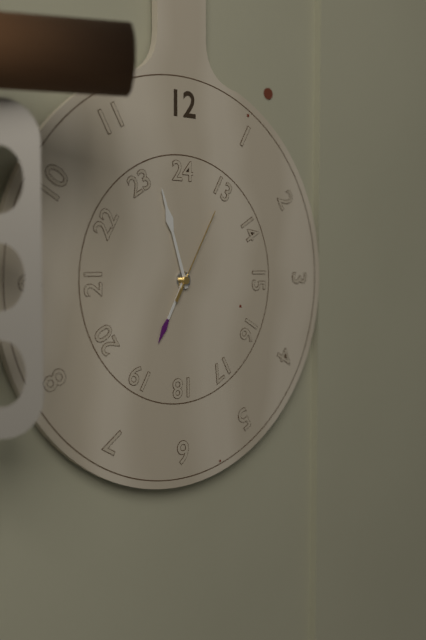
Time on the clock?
6:57:05
